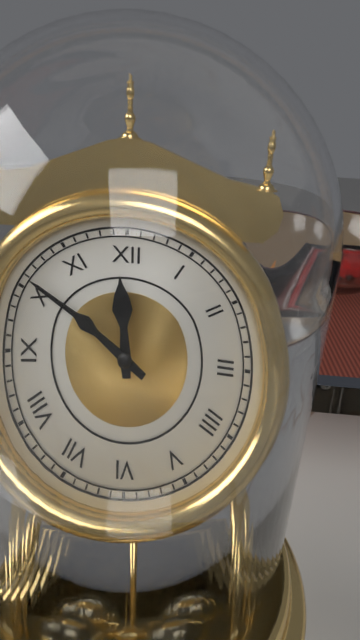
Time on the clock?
11:51
